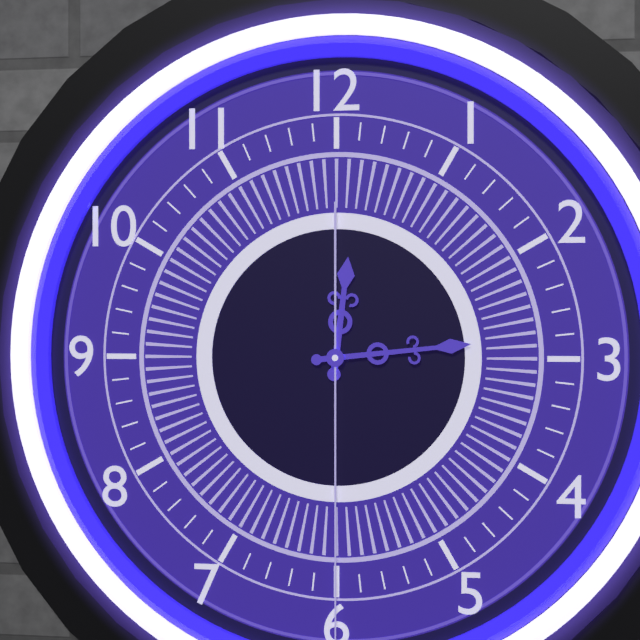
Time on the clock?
12:14:30
